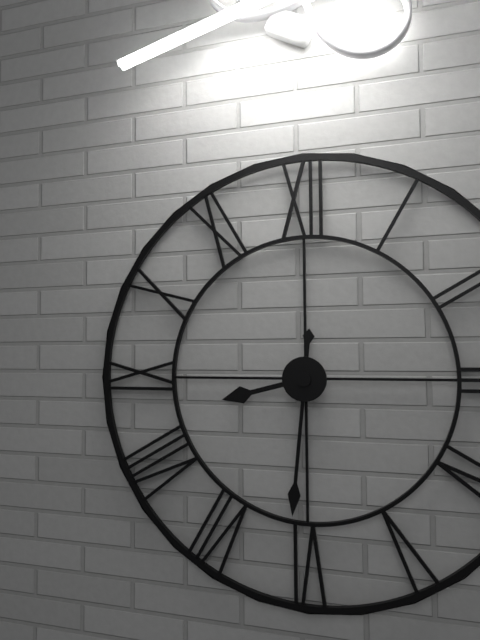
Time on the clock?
8:31
